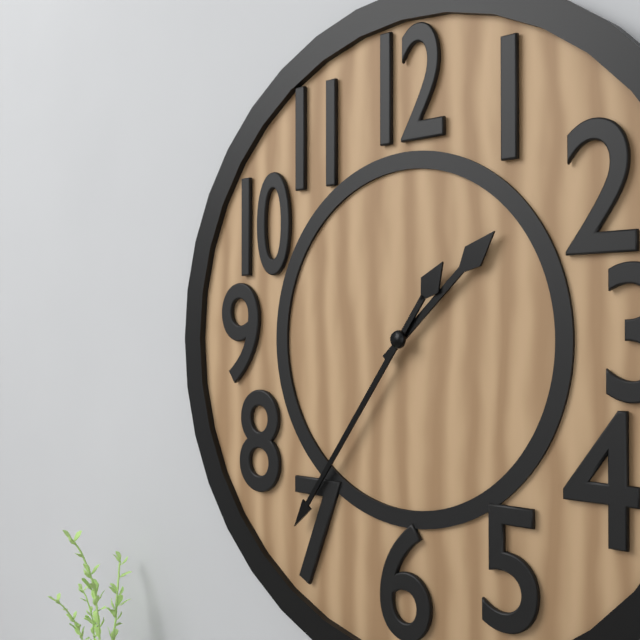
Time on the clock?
1:36
